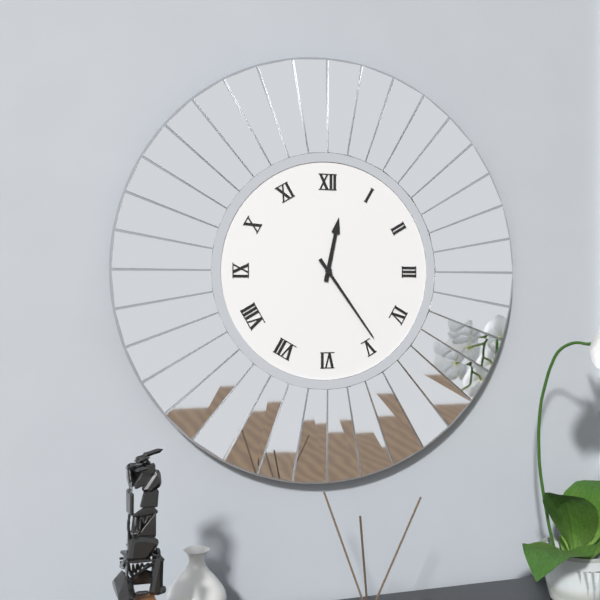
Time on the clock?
12:24
